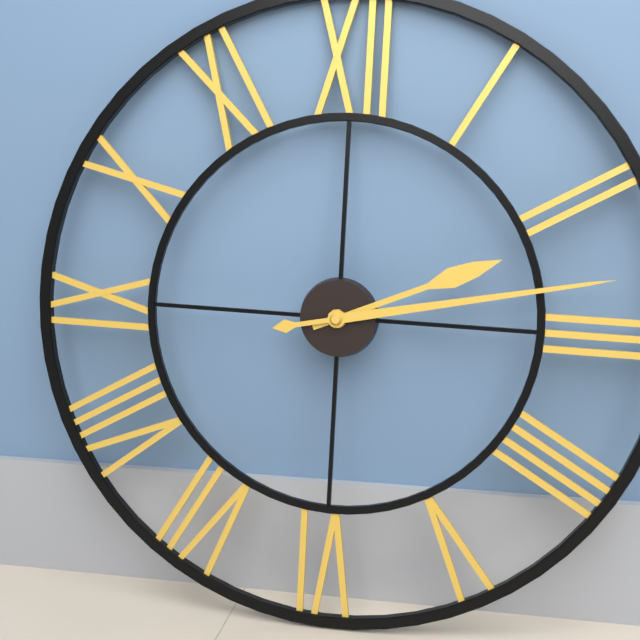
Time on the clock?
2:13
